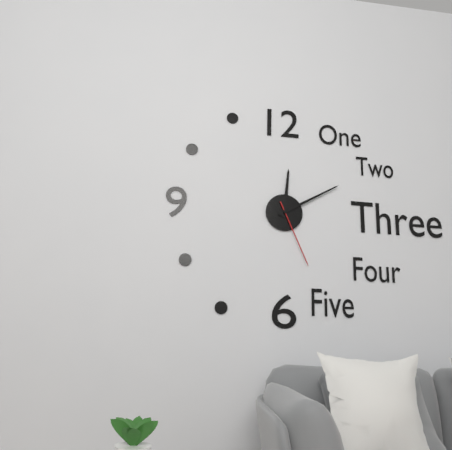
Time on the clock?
12:10:26
